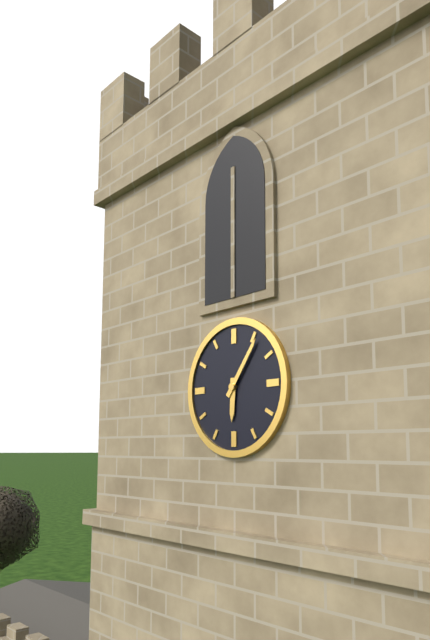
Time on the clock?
6:06
